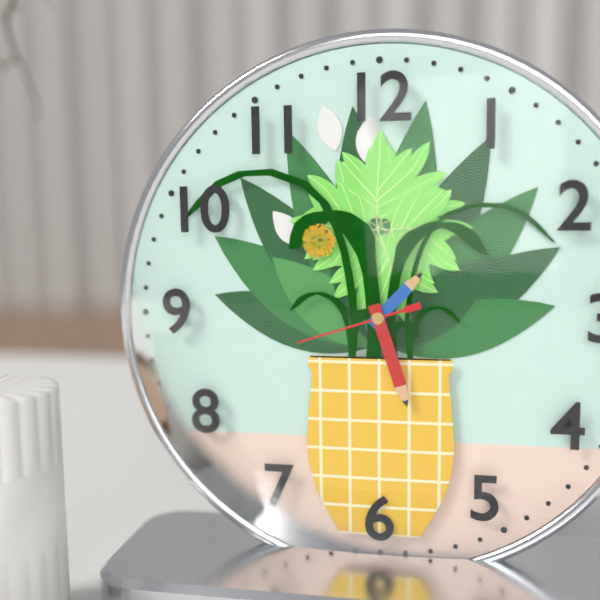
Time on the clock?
1:27:42
